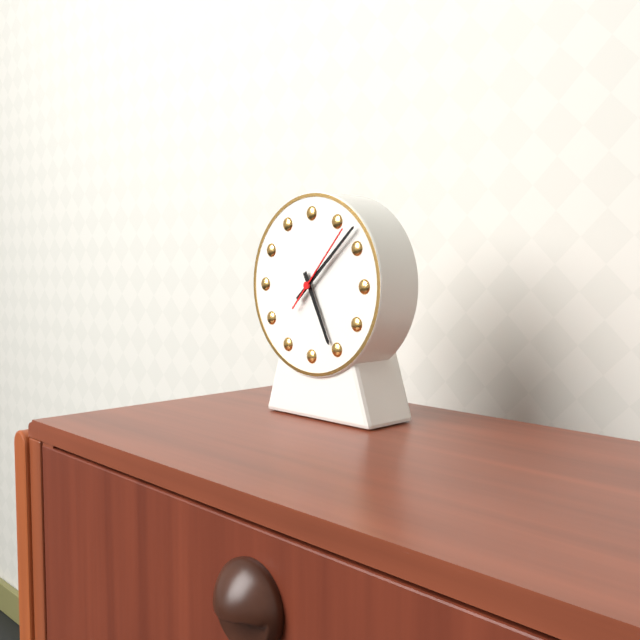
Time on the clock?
5:08:07
